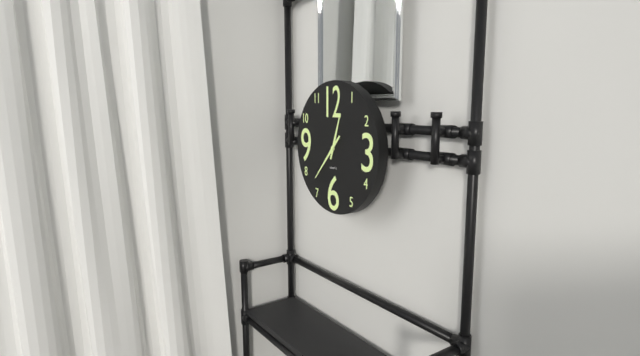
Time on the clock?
12:37
